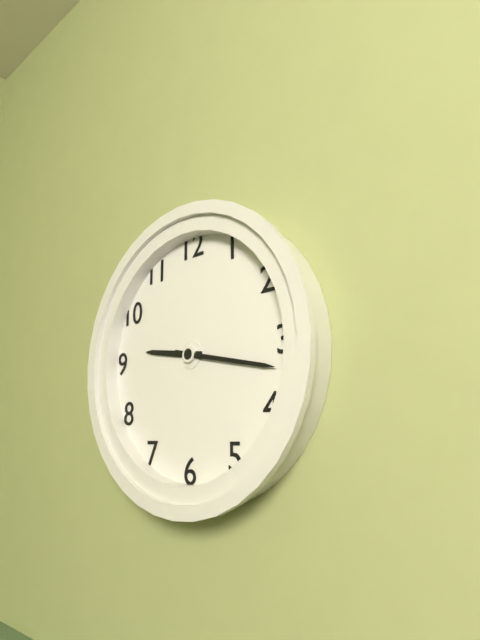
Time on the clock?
9:17
